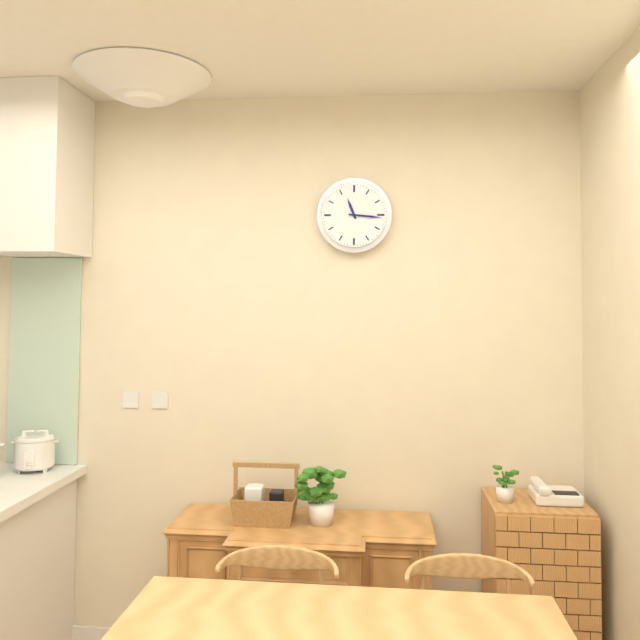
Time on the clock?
11:16
